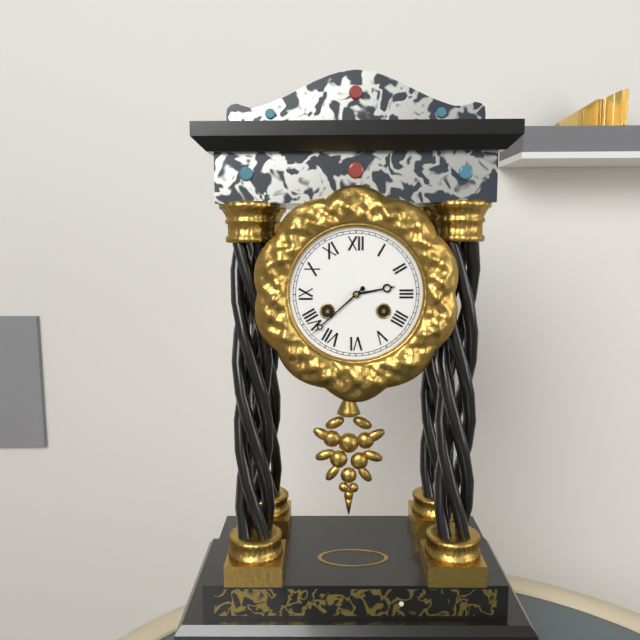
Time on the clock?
2:38
